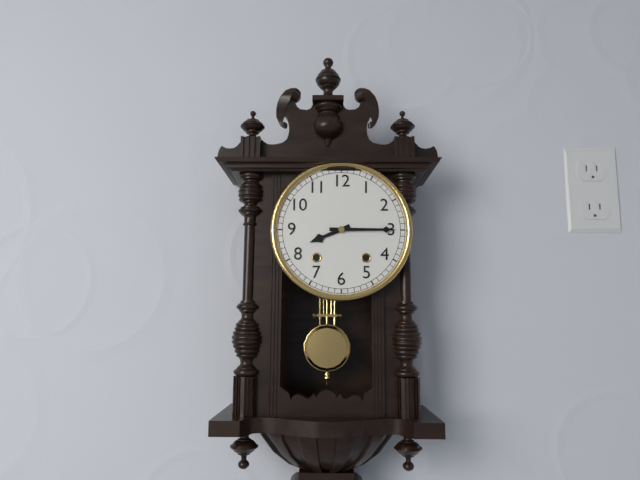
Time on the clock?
8:15
